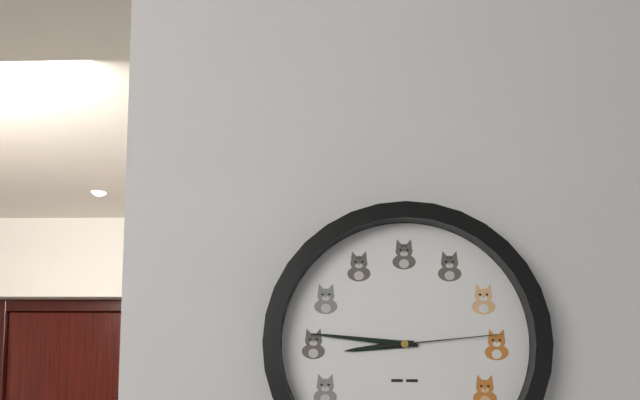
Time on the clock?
8:46:14
